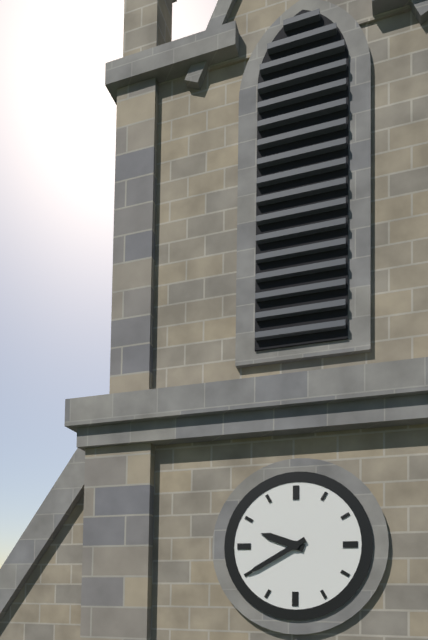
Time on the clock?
9:40
